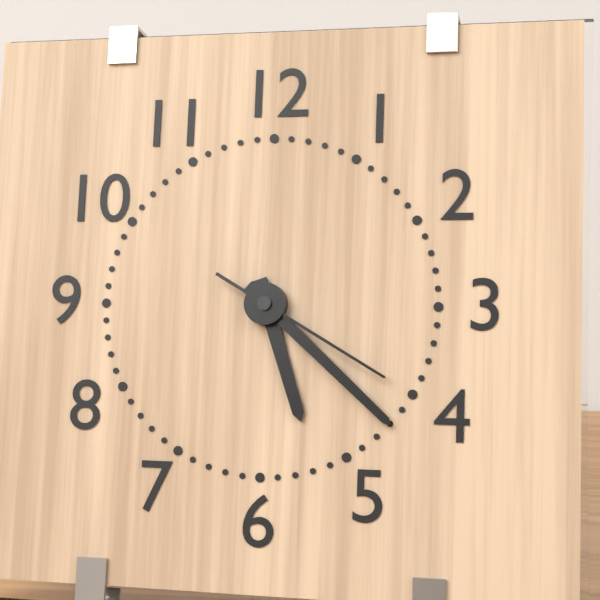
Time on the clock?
5:22:20
